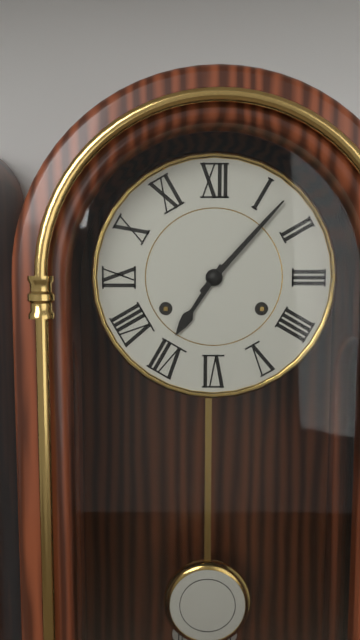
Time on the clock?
7:07
